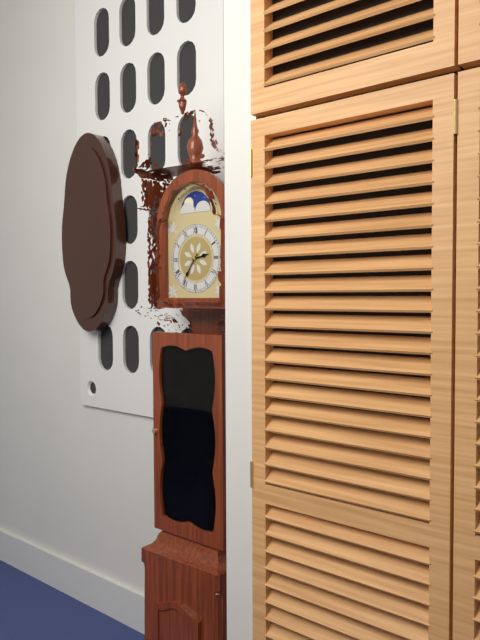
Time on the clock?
2:36
